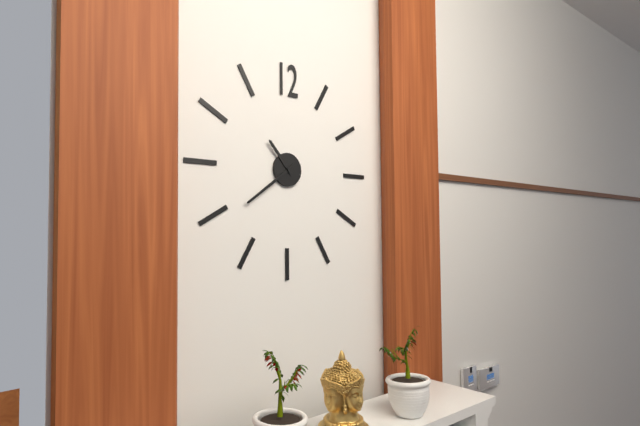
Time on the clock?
10:39
